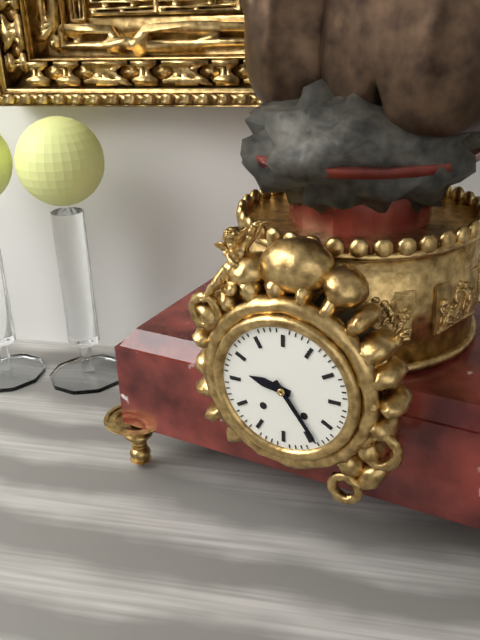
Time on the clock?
9:24
